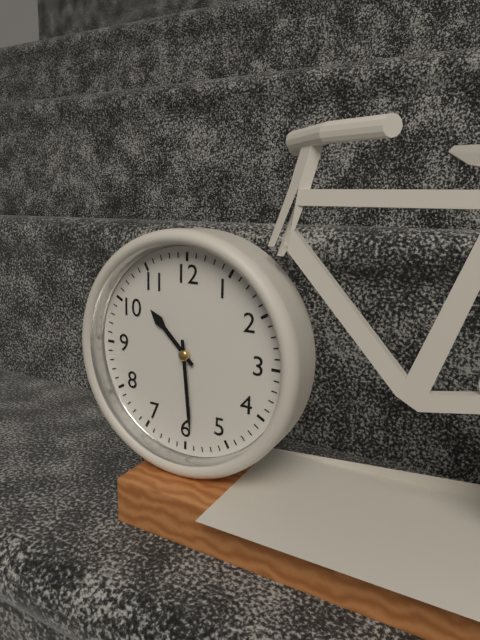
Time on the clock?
10:29
